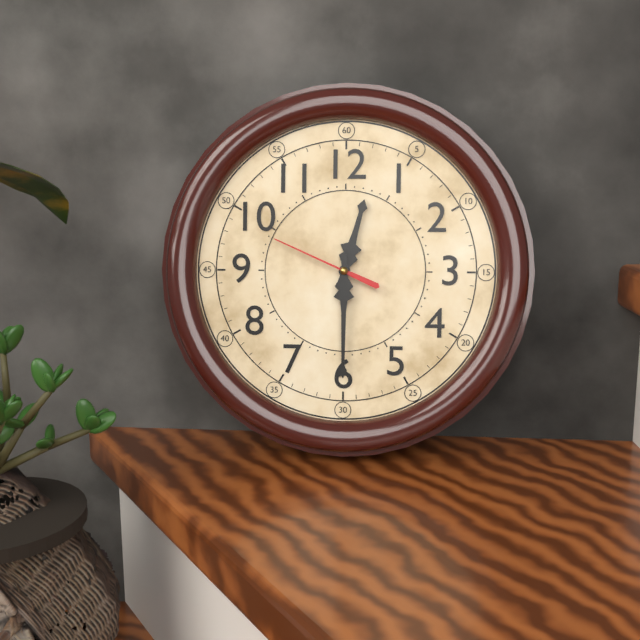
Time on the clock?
12:30:49
